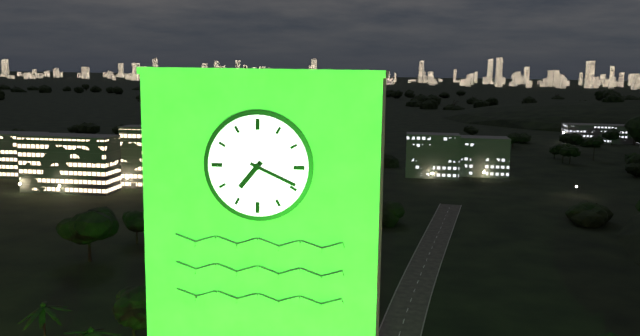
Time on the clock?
7:19
